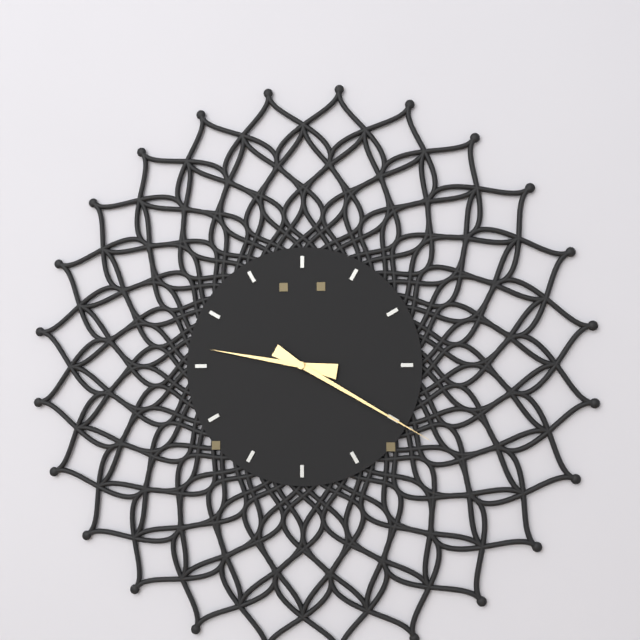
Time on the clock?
9:20
